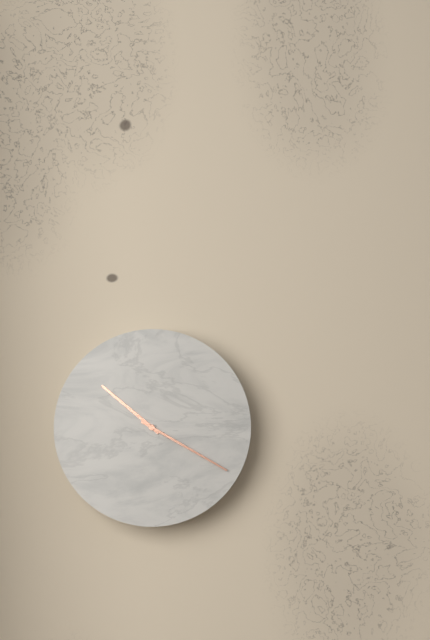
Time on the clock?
10:20
